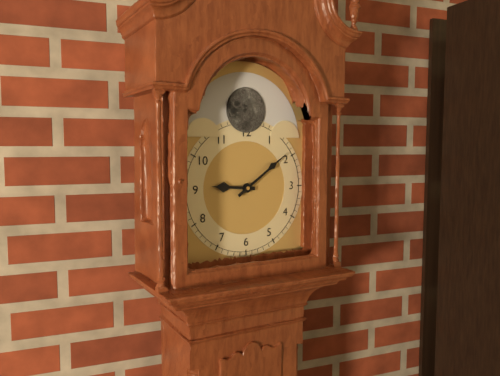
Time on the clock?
9:09
